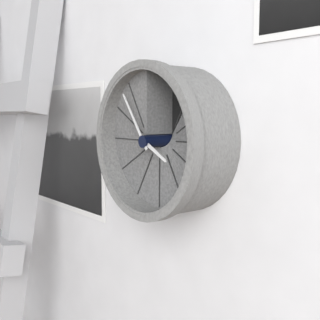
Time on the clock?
3:54
